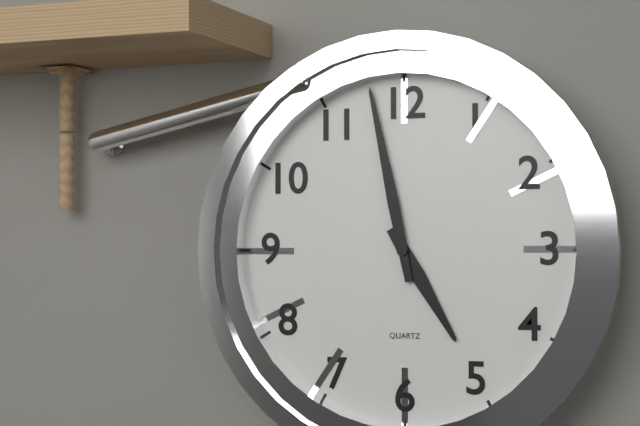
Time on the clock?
4:58
